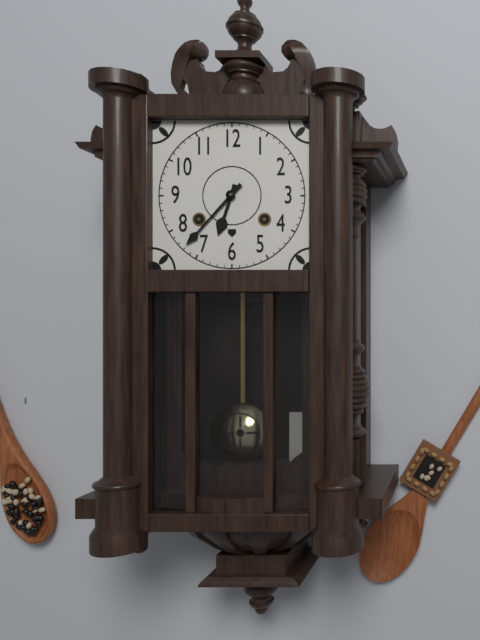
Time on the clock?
6:37
